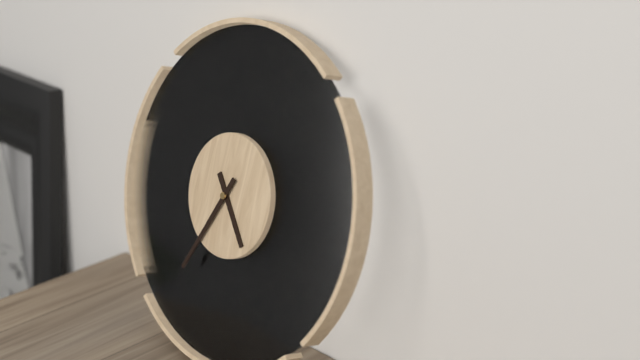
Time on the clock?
4:34
